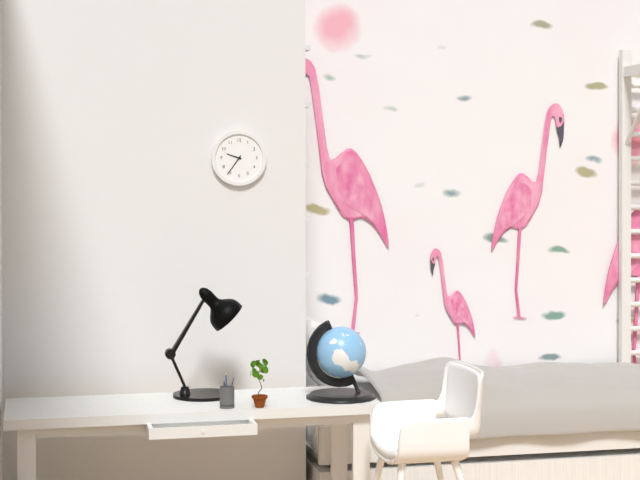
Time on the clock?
9:36
